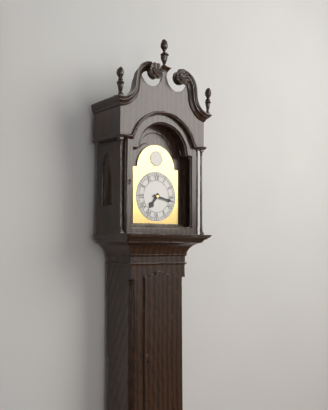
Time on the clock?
7:17
